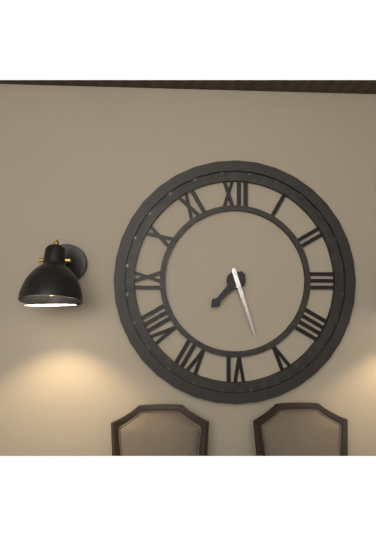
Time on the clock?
7:27
